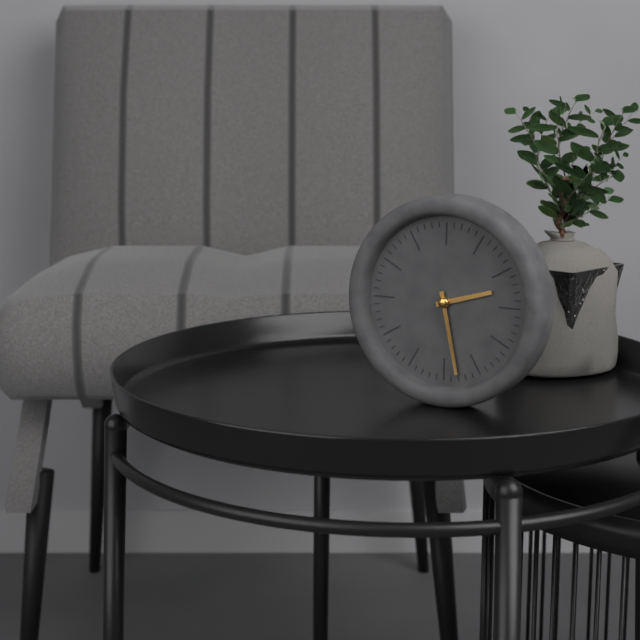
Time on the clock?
2:28
